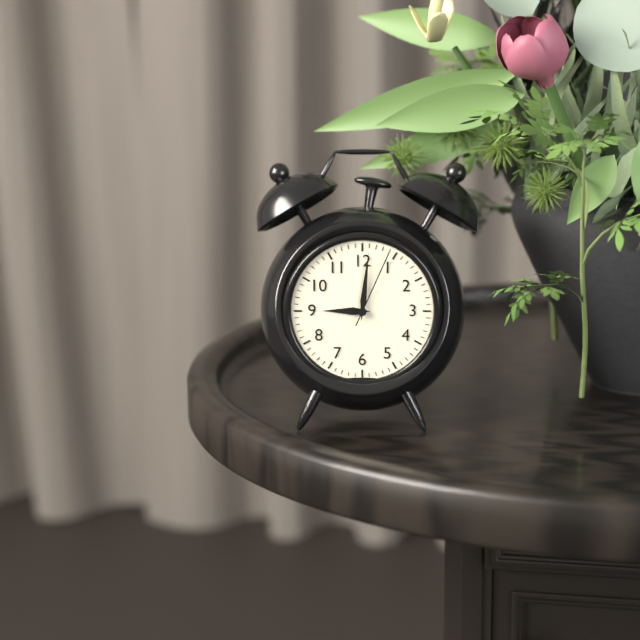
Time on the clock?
9:01:04
